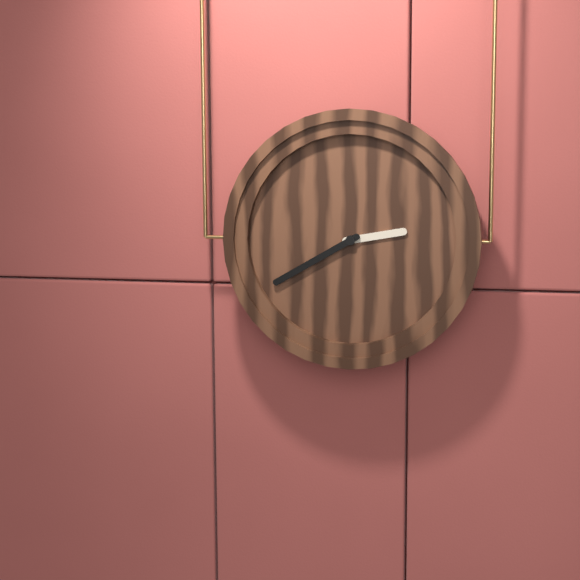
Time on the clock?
2:40
